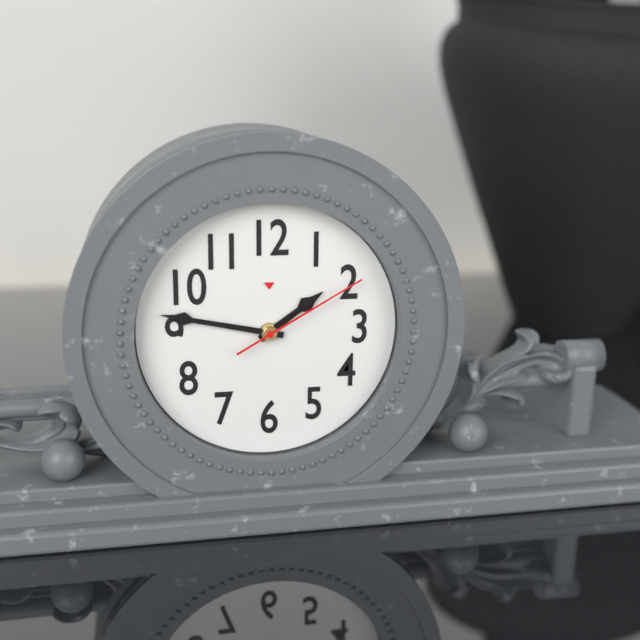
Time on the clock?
1:47:10
